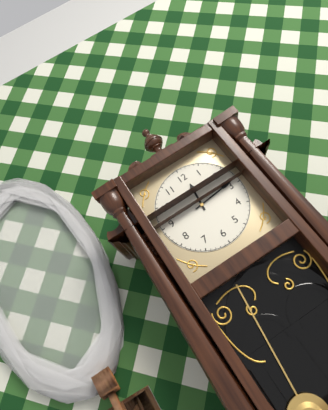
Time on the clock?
12:14
